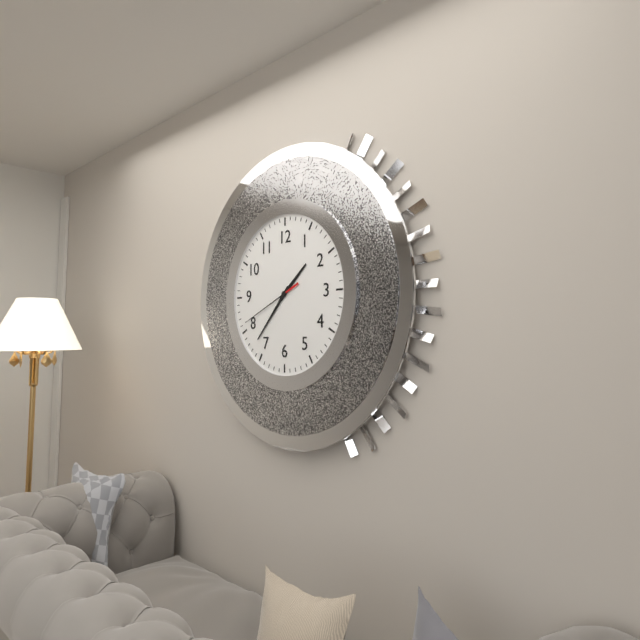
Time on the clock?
1:37:41
